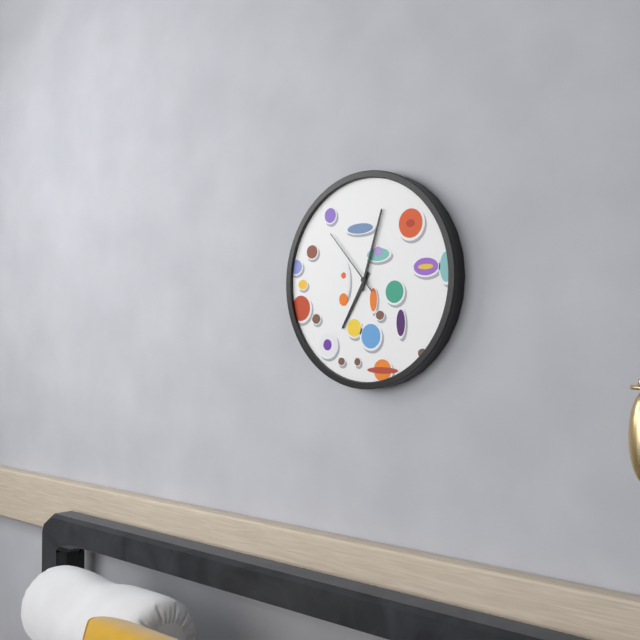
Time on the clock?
7:03:53
